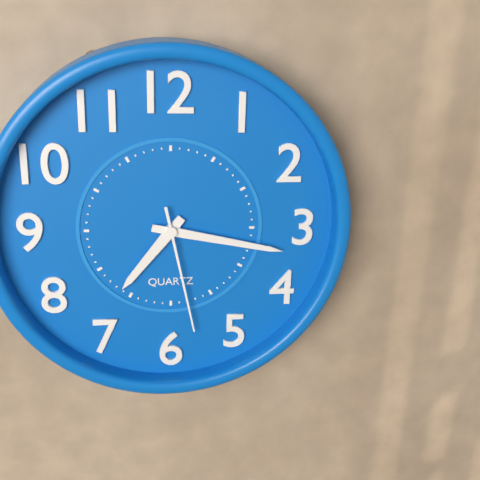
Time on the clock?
7:17:28
